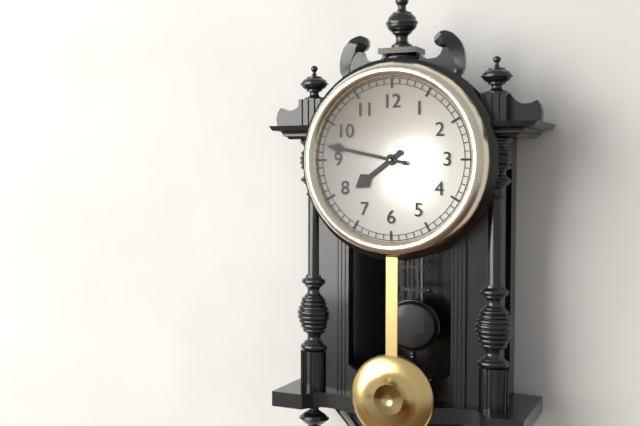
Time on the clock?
7:47
